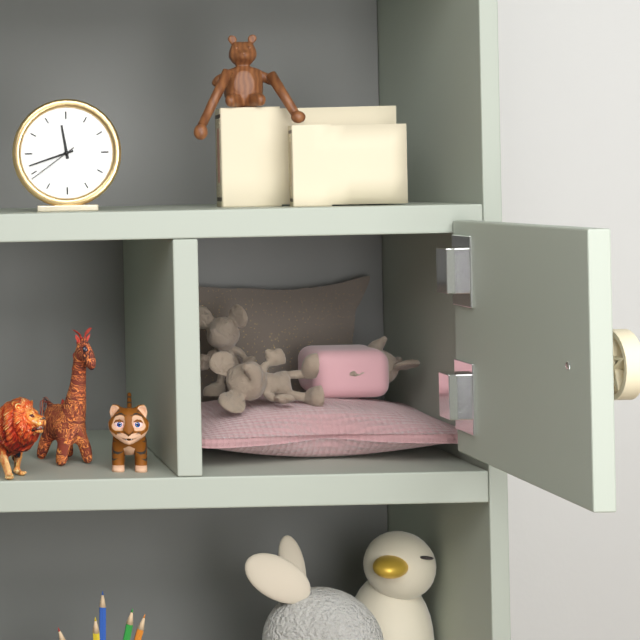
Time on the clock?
11:42:39
